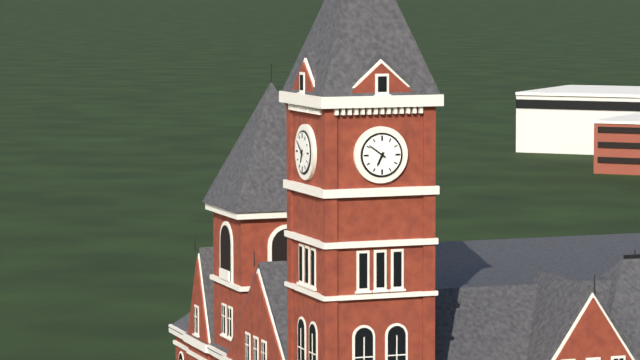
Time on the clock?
6:51
